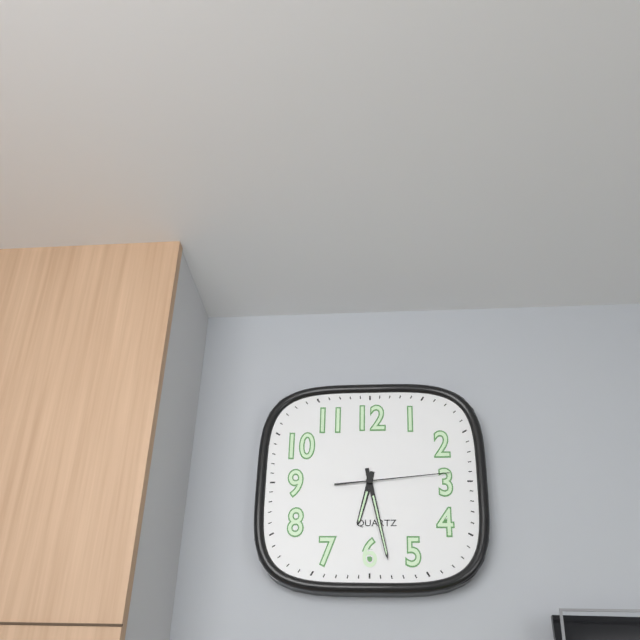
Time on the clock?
6:28:14
